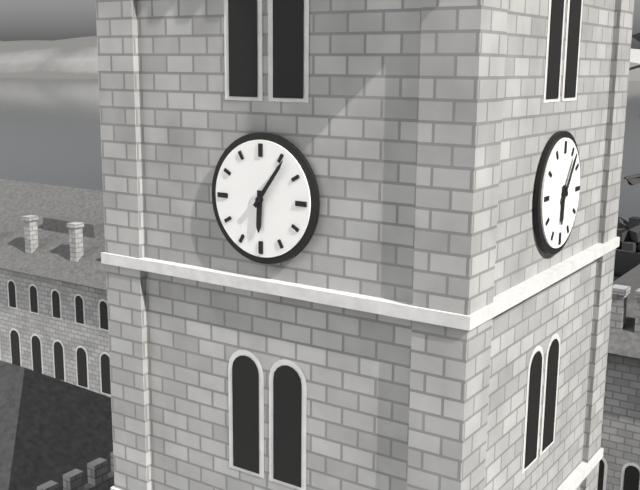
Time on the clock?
6:06
